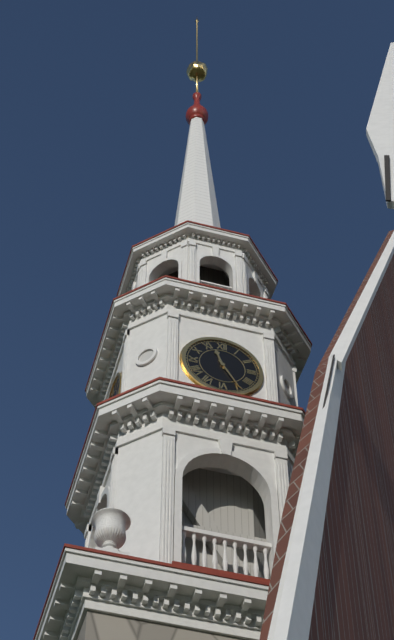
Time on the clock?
11:25
